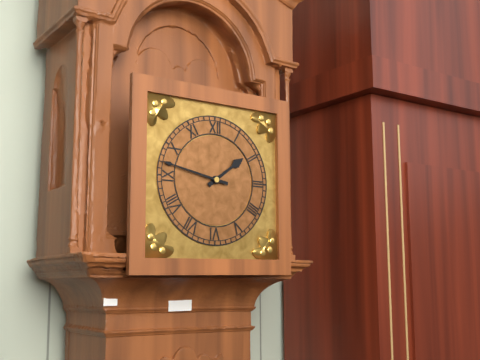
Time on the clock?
1:47
